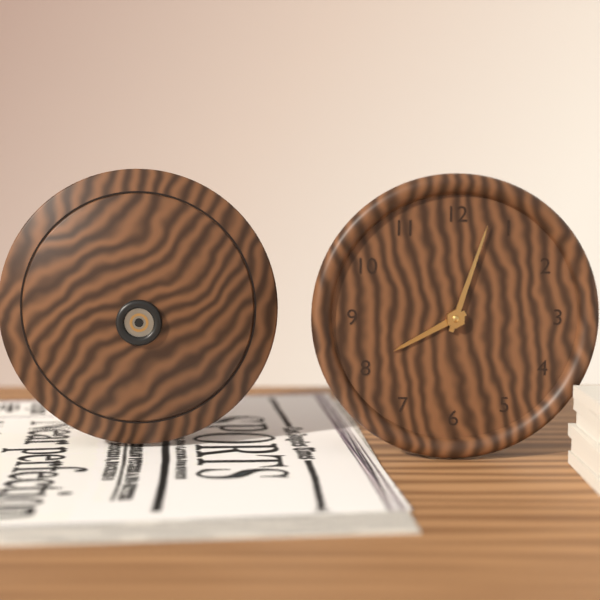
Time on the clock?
8:03
